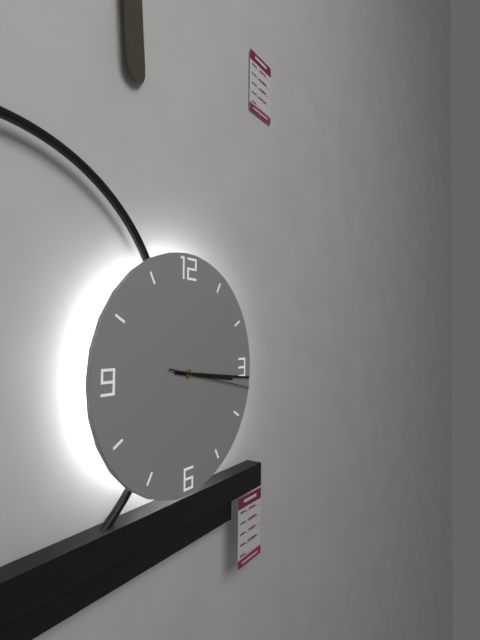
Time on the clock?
3:16:17
